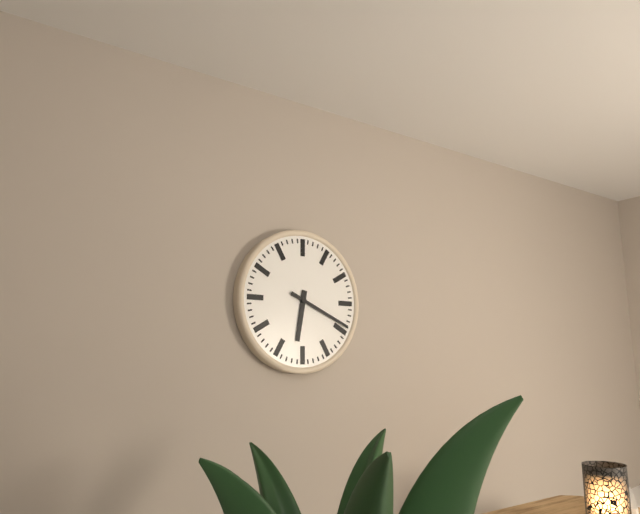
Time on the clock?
6:19
